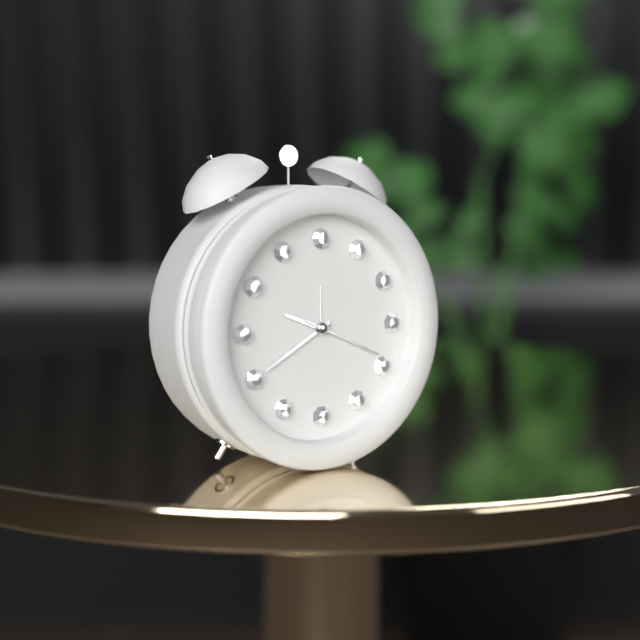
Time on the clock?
9:40:19
